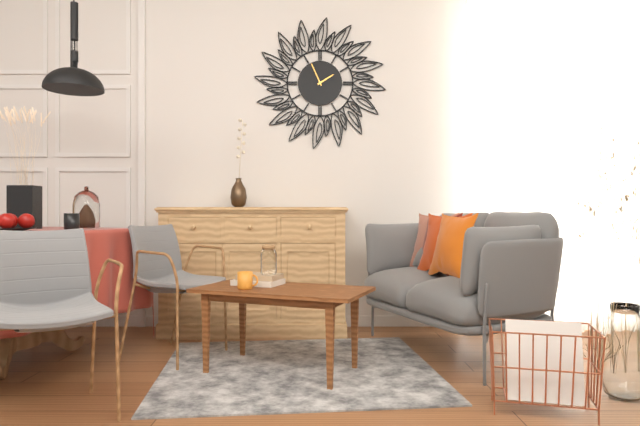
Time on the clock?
1:56
